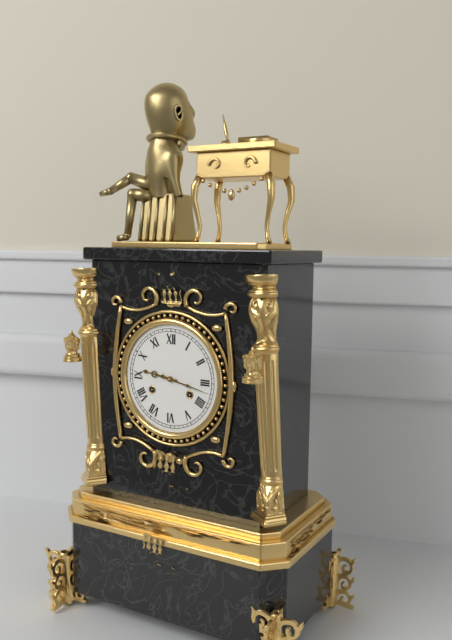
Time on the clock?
9:17
